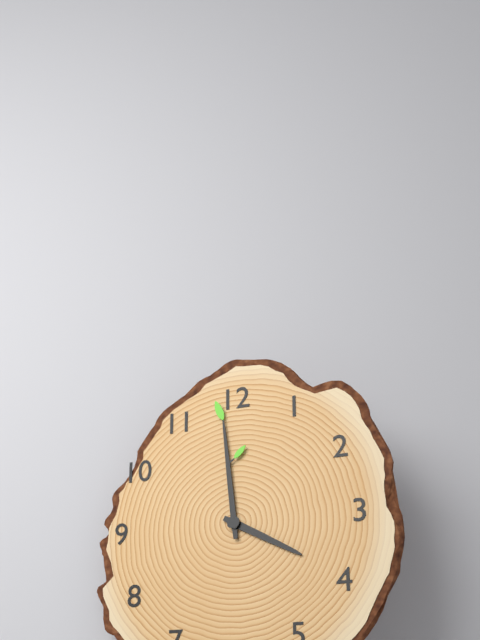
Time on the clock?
3:59
